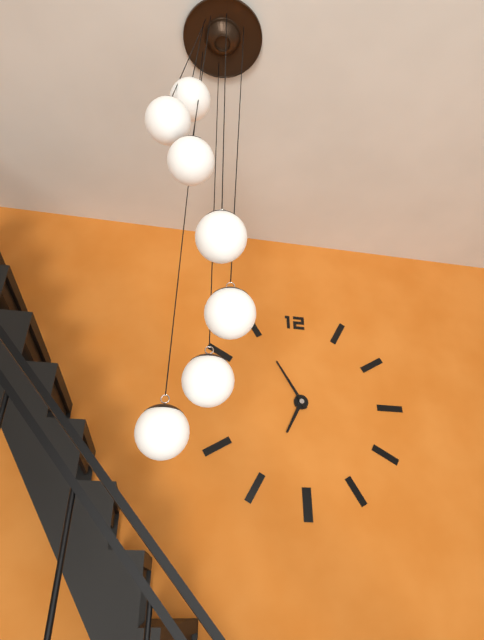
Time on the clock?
6:55
